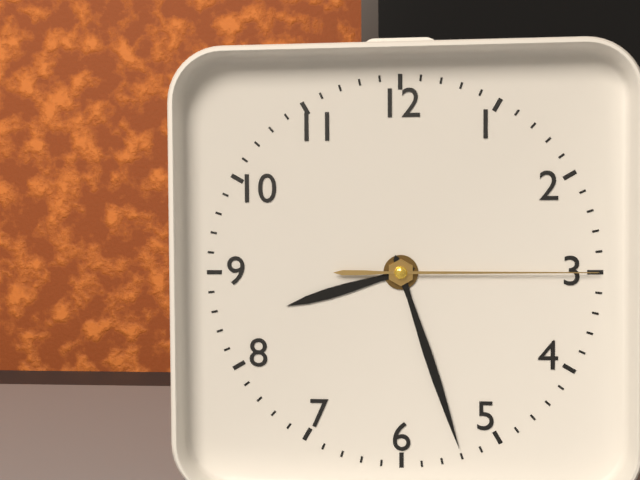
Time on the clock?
8:27:15
